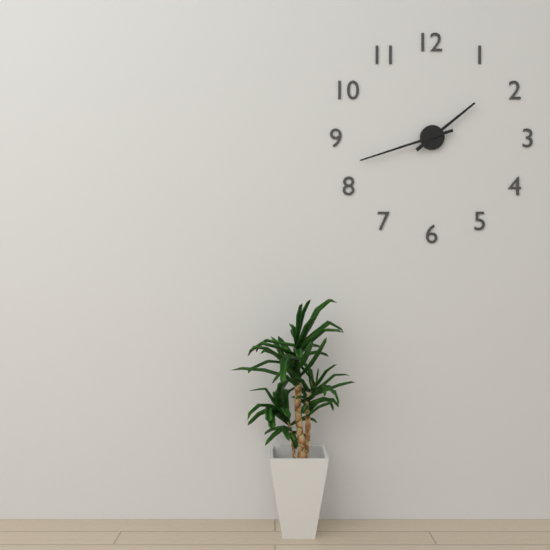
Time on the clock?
1:42
